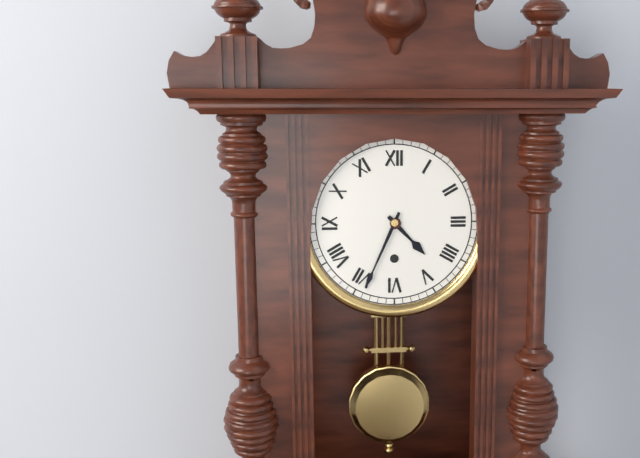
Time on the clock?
4:34
